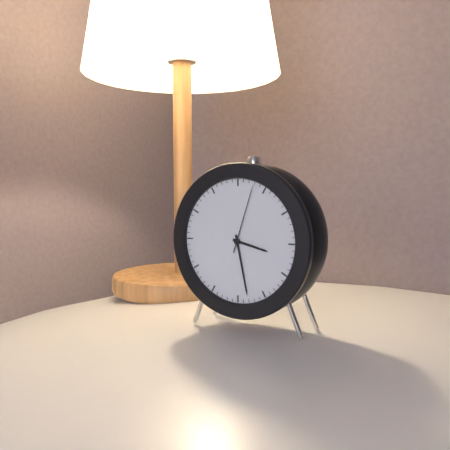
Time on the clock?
3:28:03
